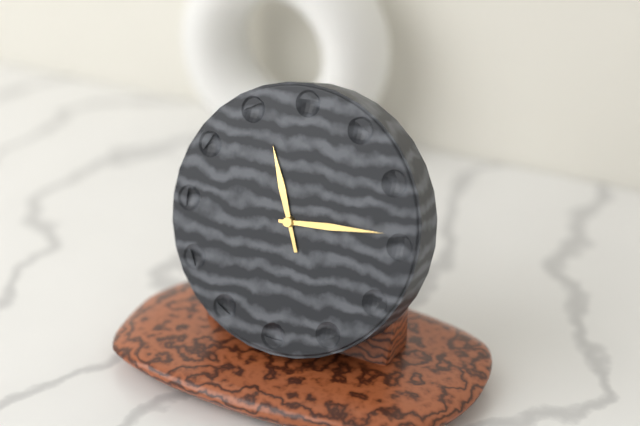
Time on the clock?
11:14
